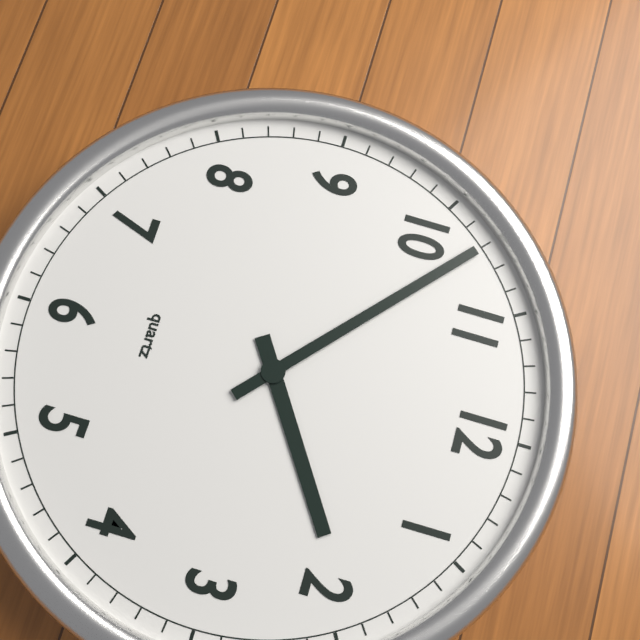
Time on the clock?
1:52
